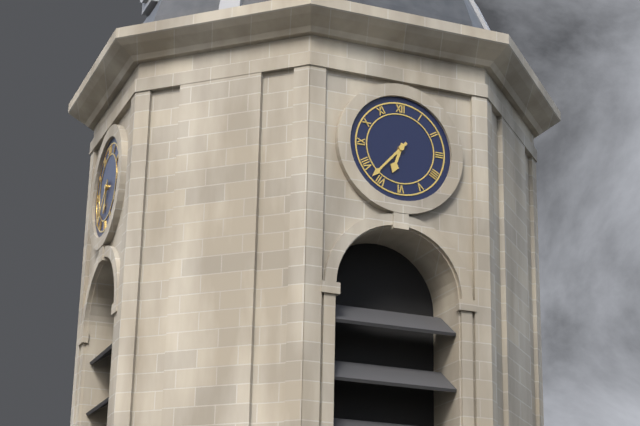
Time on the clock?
6:37
